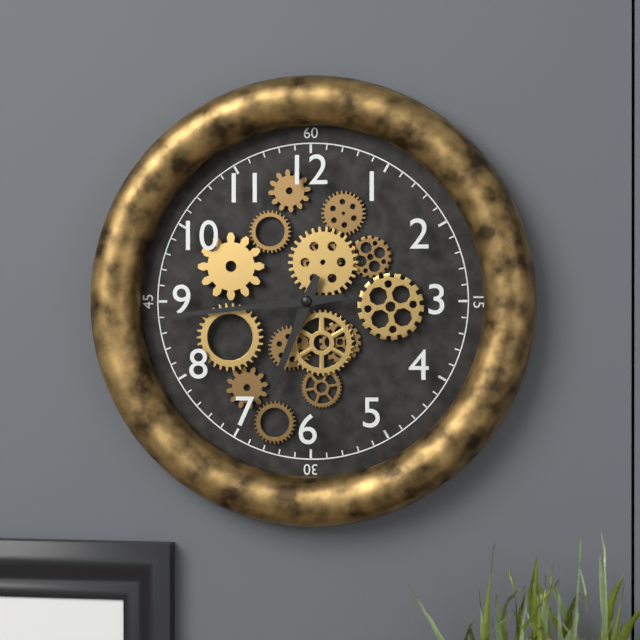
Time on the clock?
6:44
